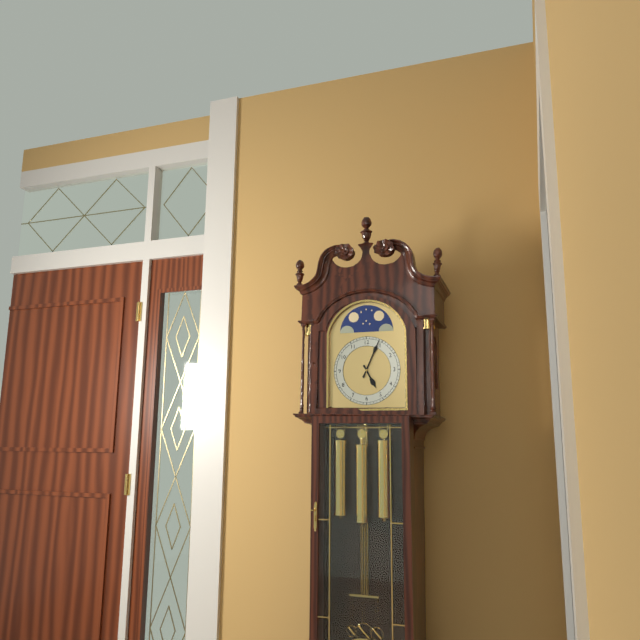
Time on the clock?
5:04
